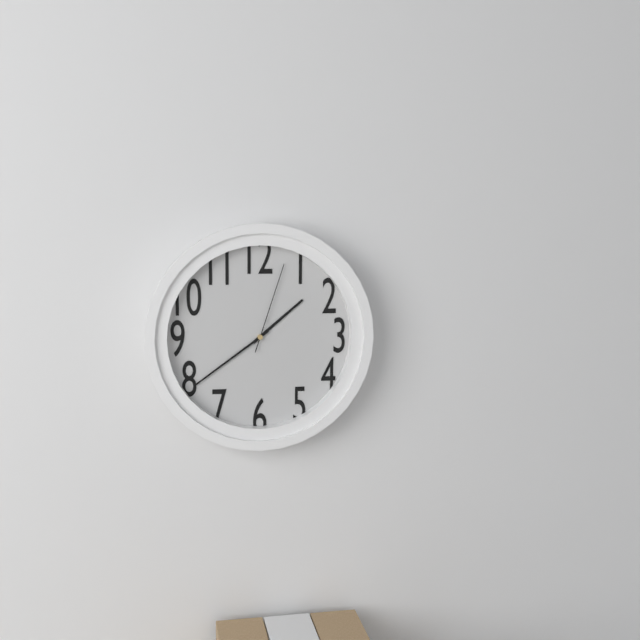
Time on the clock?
1:39:03
